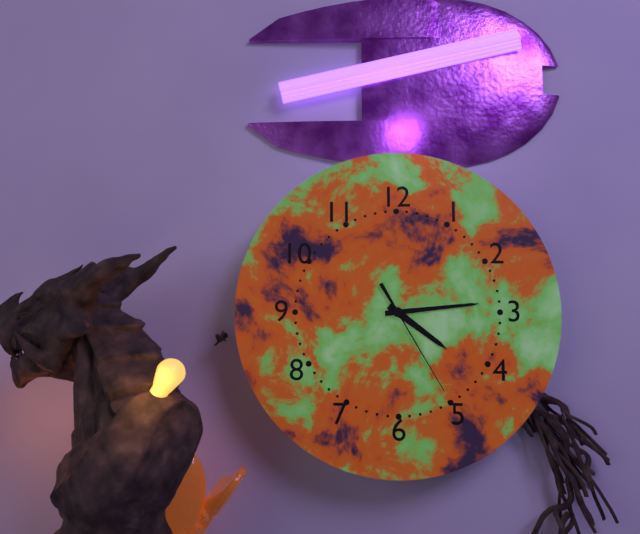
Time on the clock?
4:14:25
